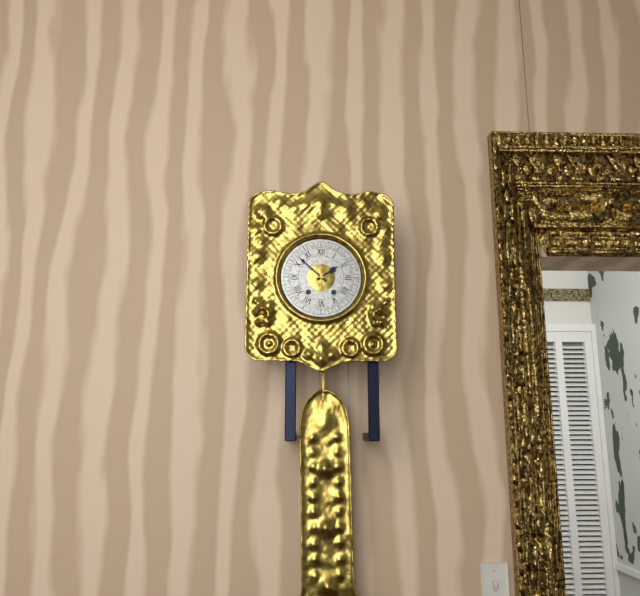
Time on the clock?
1:52
